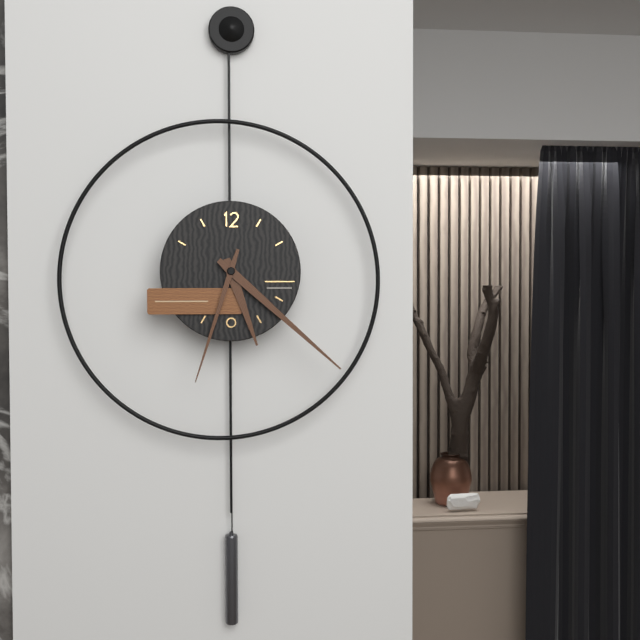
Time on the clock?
5:22:33
